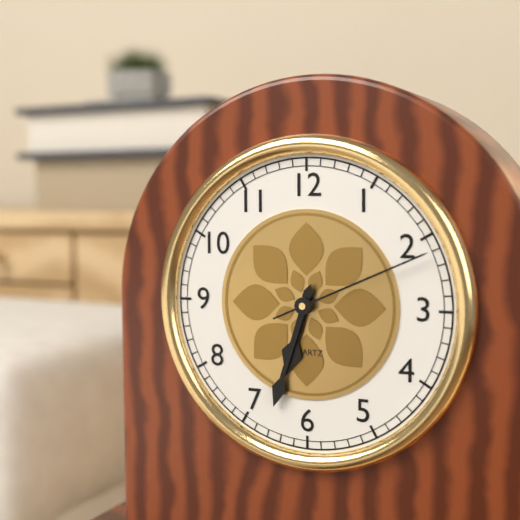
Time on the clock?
6:33:11
